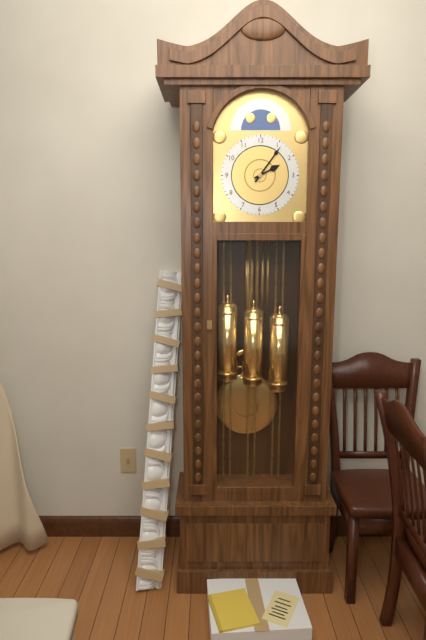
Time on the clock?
2:06
